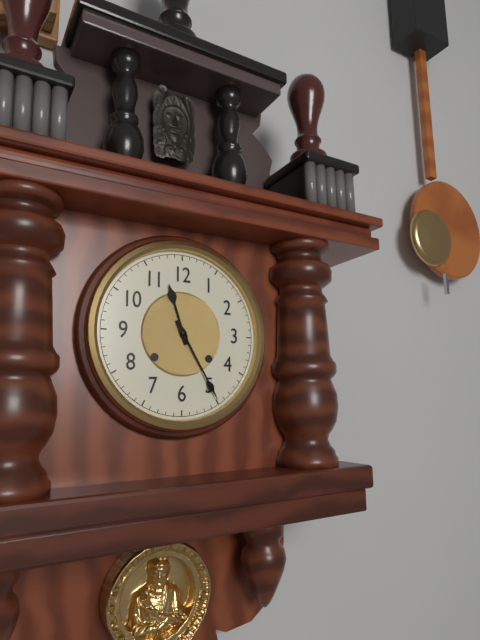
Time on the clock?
11:25
